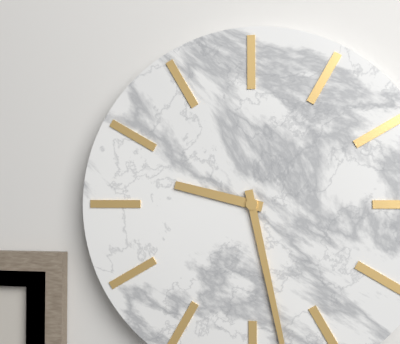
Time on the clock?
9:28
